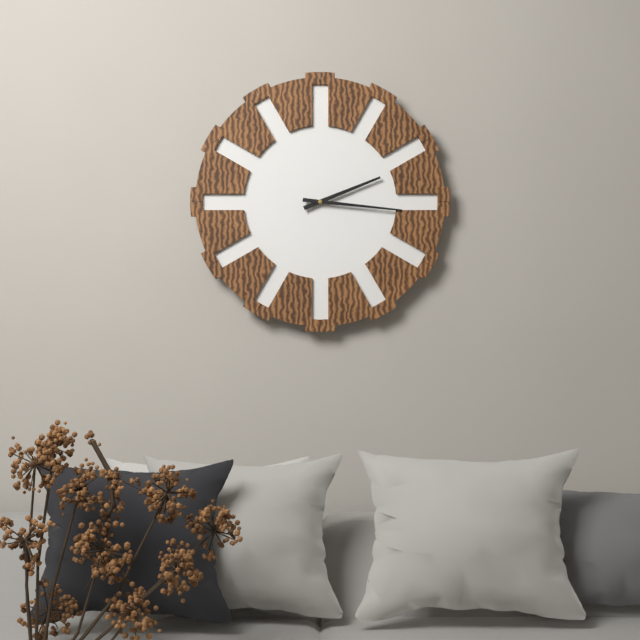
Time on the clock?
2:16
